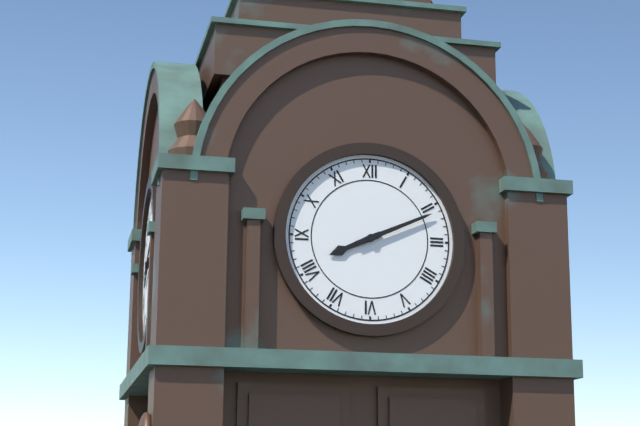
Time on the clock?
8:11
